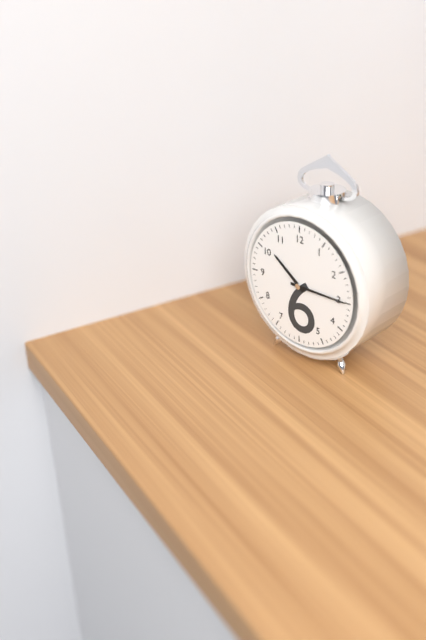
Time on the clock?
10:15
